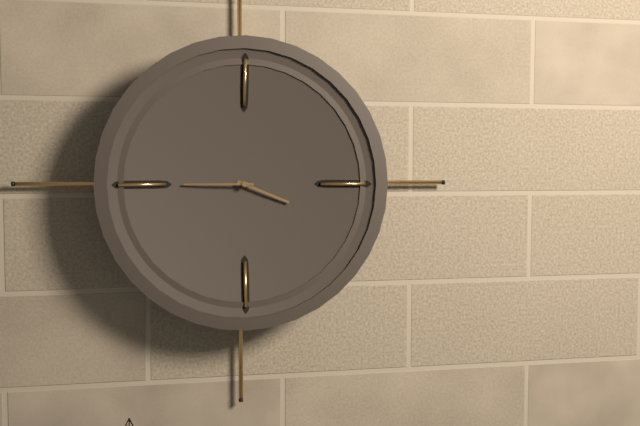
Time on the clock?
3:45
